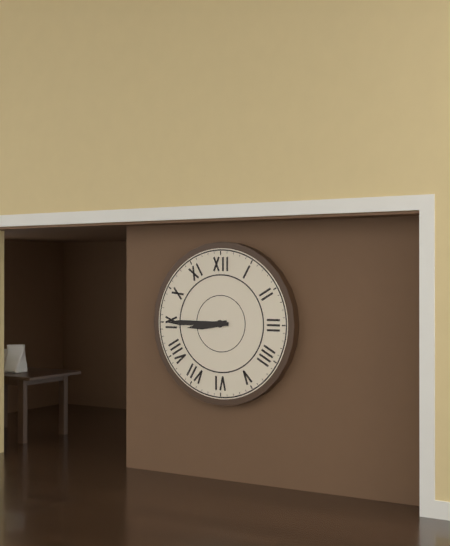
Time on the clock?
8:45
